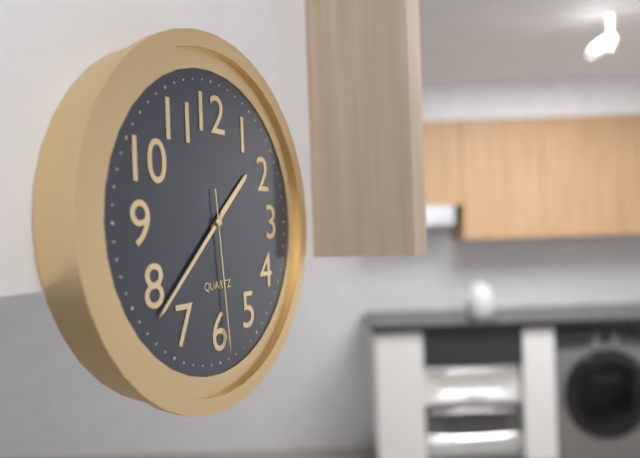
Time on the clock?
1:38:29
